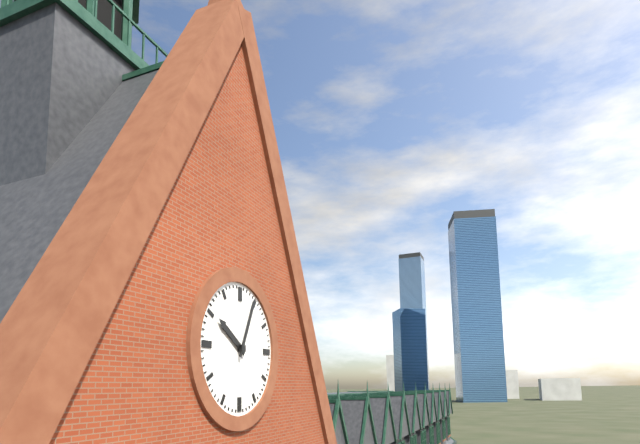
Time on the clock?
10:04
